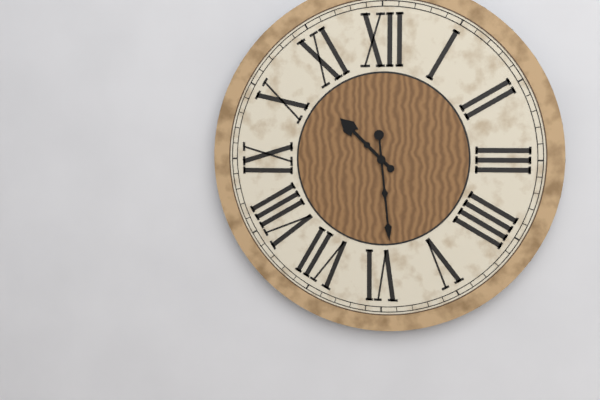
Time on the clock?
10:29
